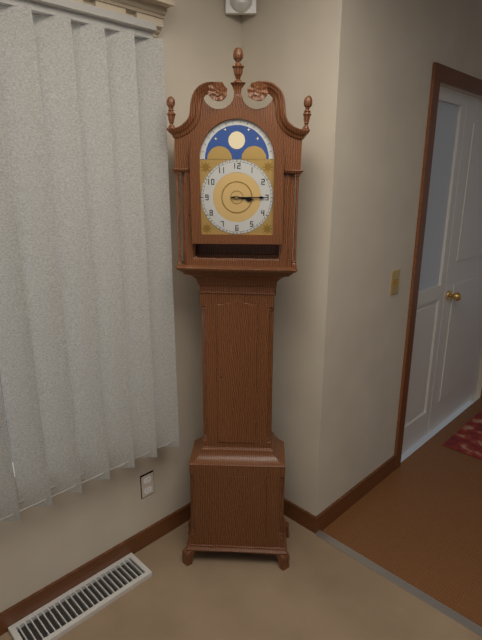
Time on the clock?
3:15
